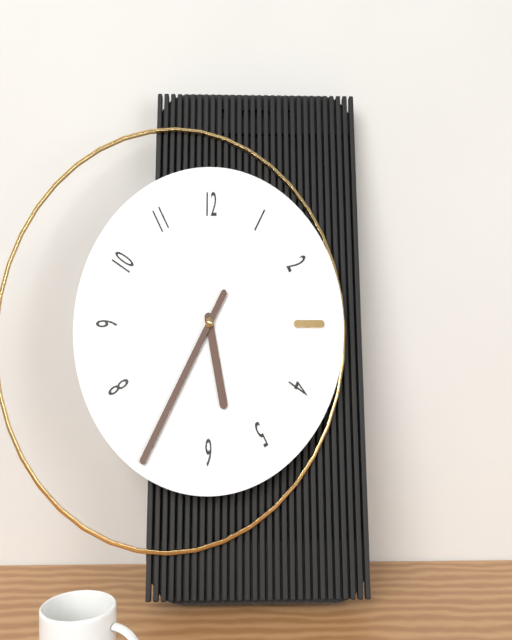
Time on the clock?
5:35
